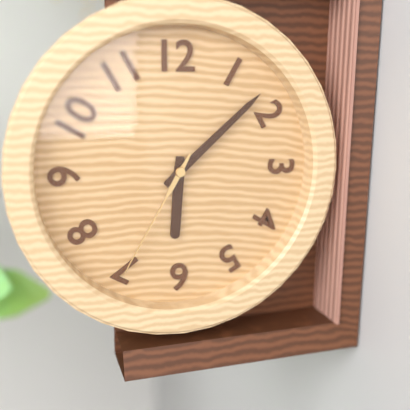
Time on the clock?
6:08:35
